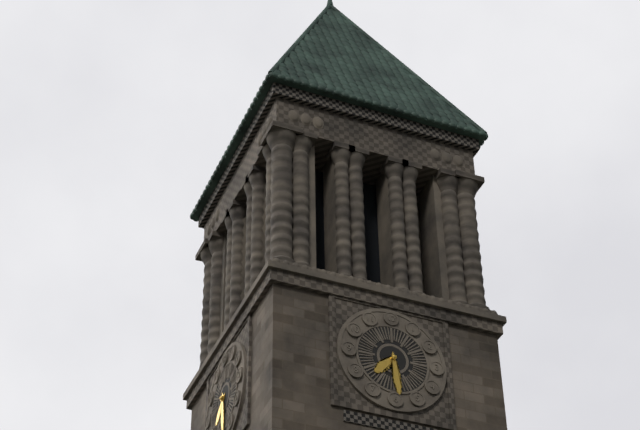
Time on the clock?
7:29
